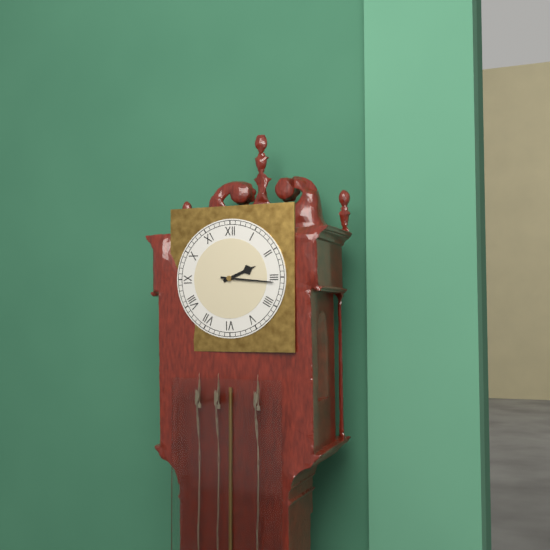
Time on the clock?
2:16
